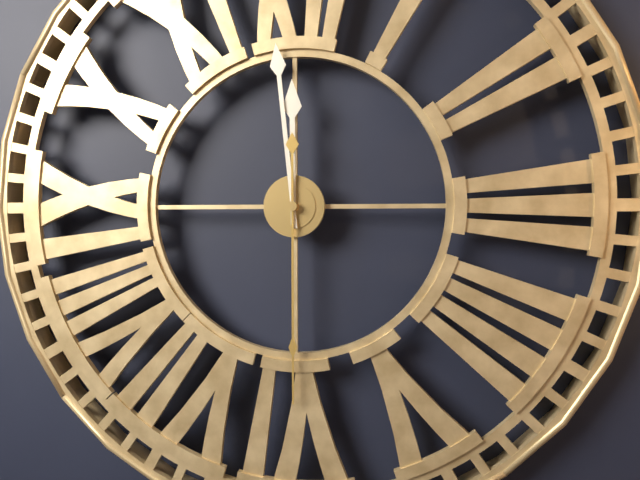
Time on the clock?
11:59:30
